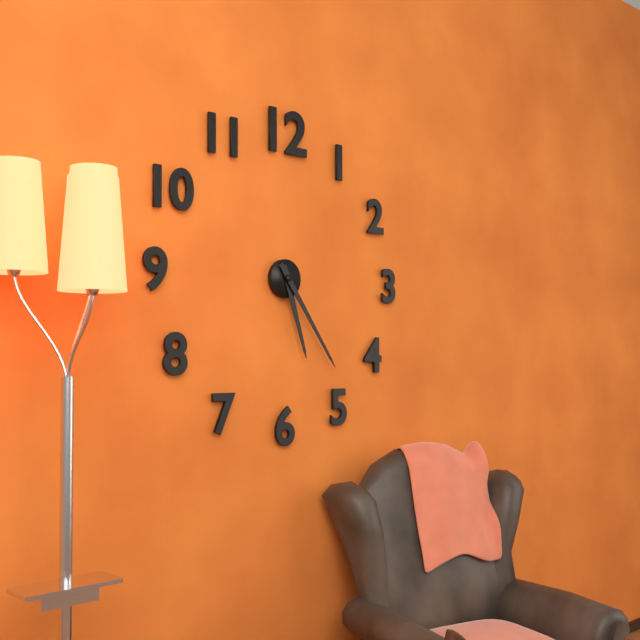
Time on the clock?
5:24
